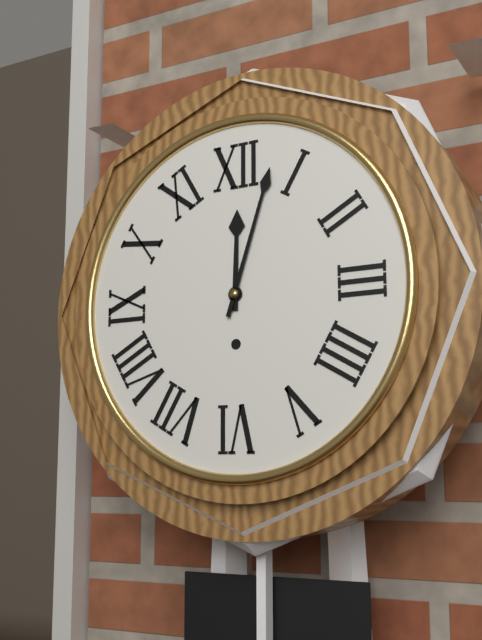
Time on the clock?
12:03
